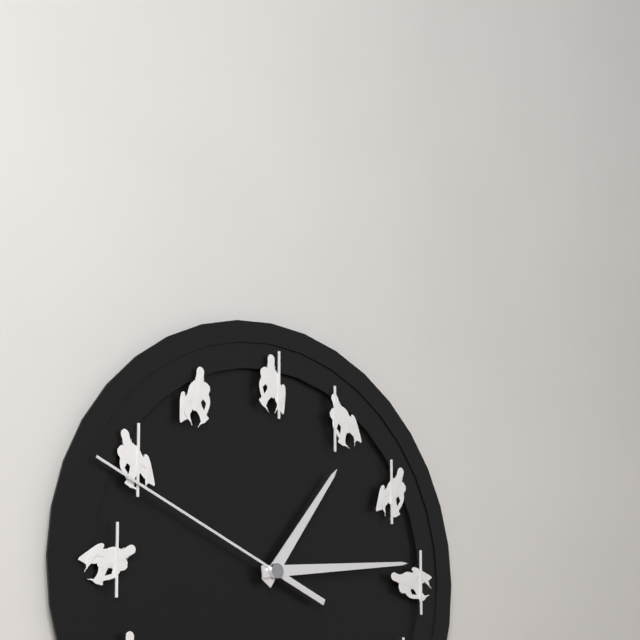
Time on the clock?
1:14:49
